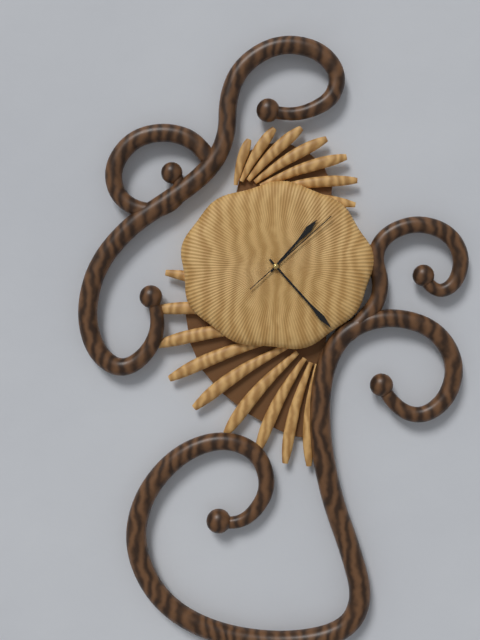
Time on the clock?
1:23:08
